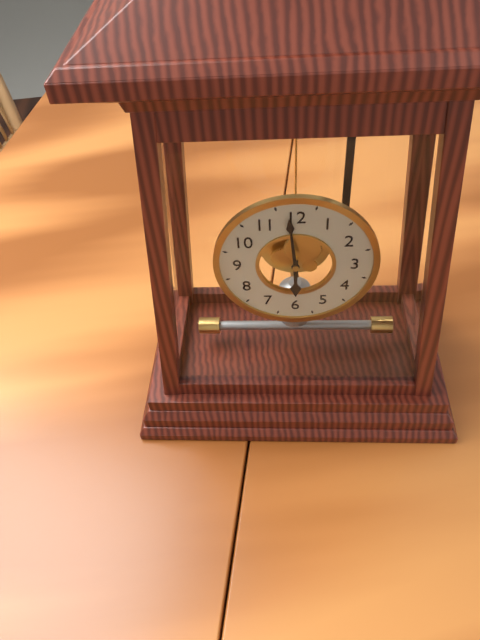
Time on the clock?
5:59
